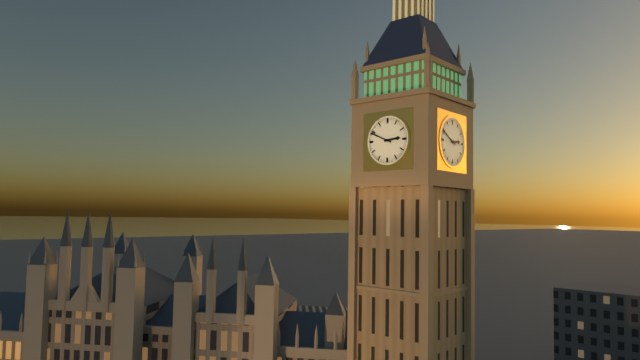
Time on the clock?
2:49
